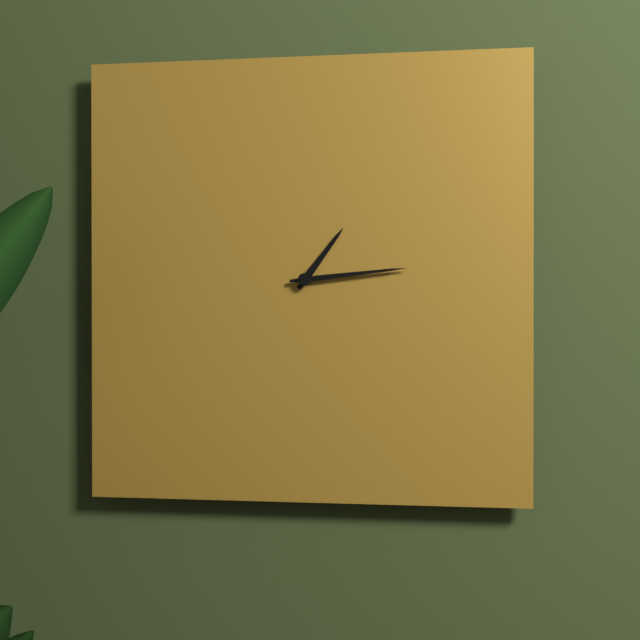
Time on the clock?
1:14
